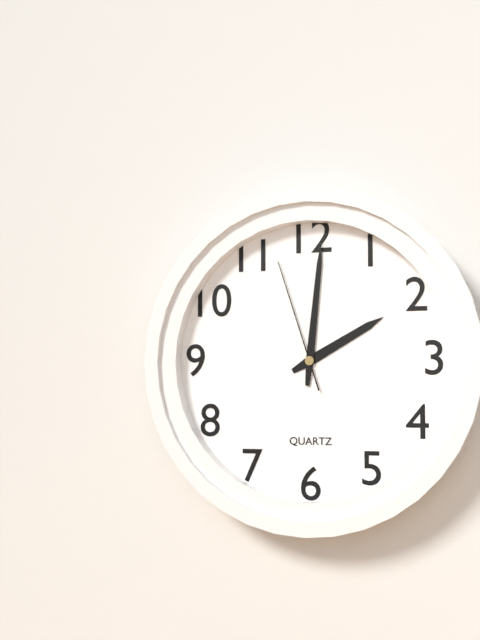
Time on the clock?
2:01:57
